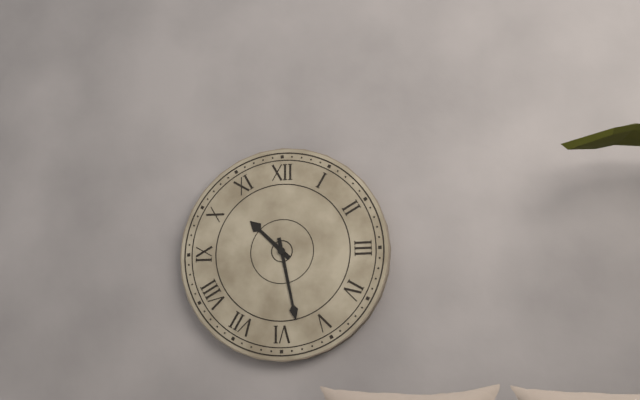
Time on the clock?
10:28
